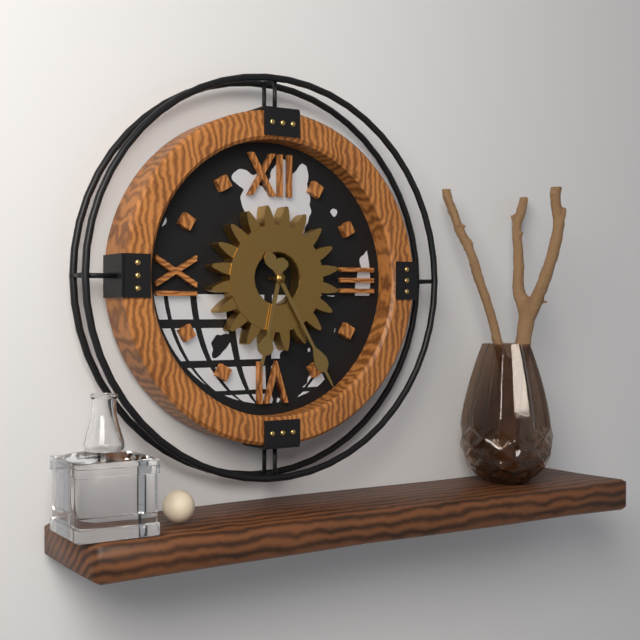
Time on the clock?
6:25
